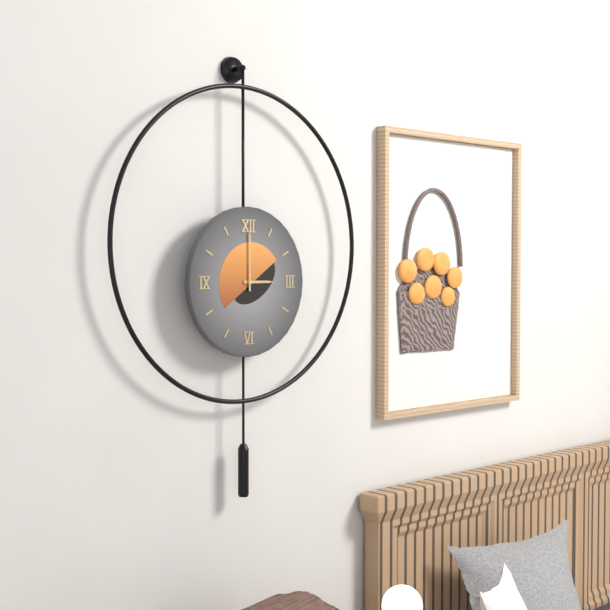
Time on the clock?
3:00
